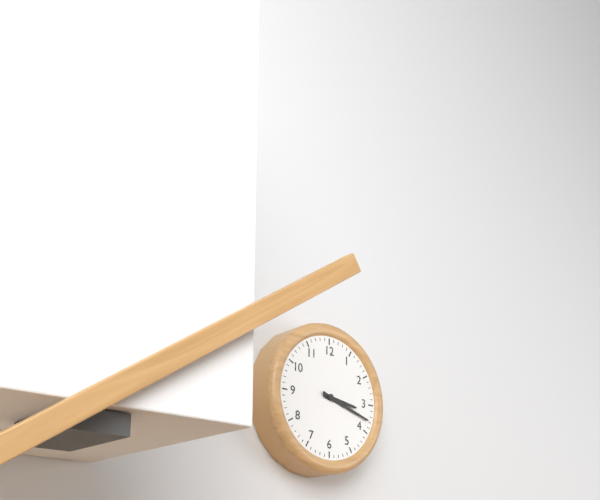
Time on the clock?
3:18
